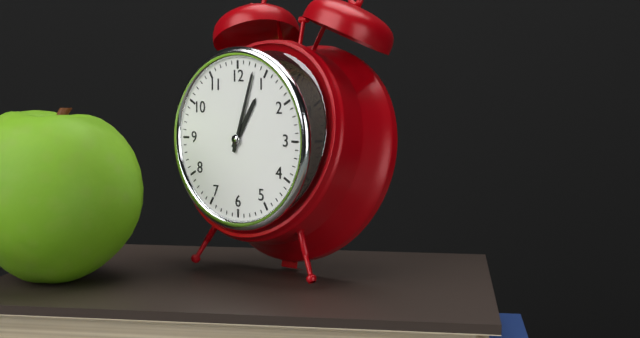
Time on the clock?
1:03
